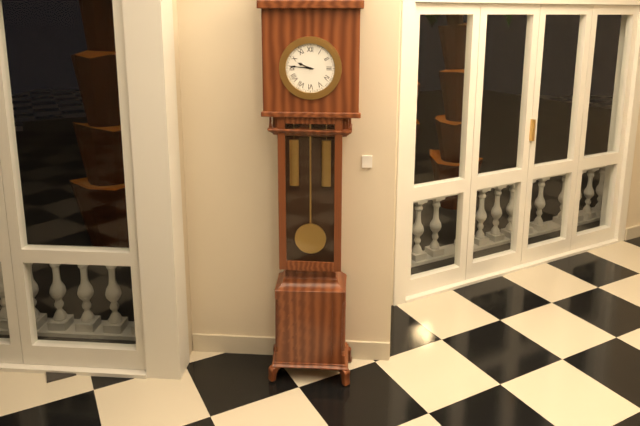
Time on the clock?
9:46
